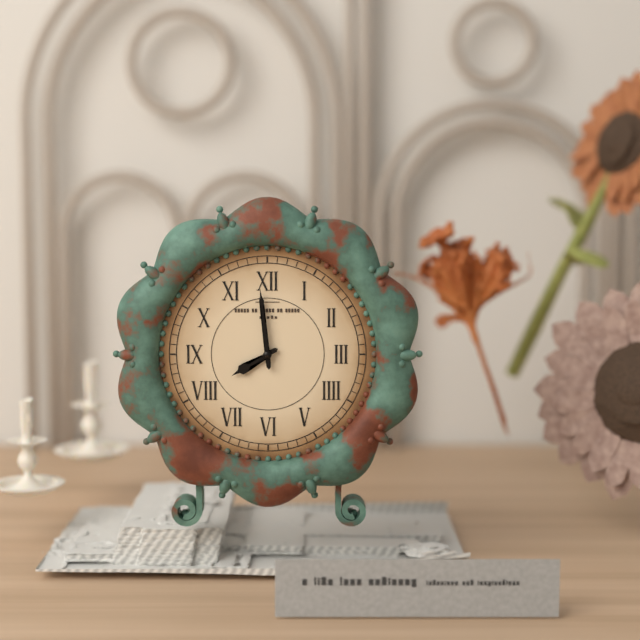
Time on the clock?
7:59
